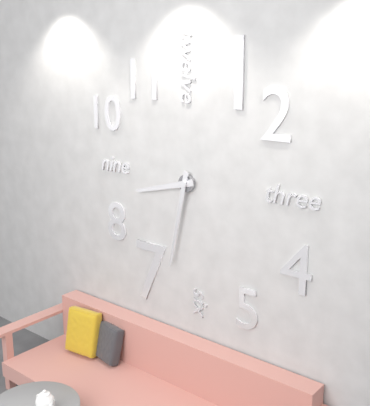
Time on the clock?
8:32
